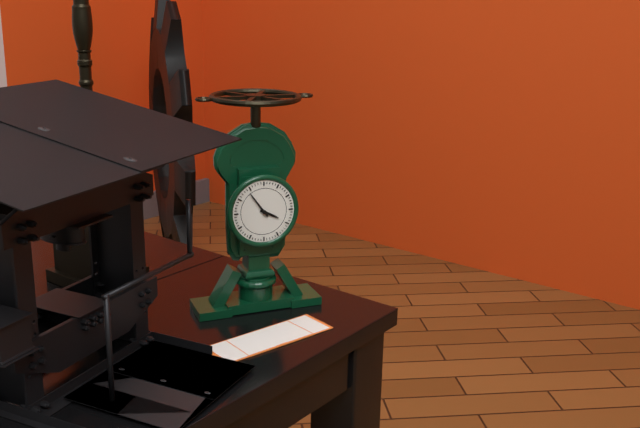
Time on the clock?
3:54
